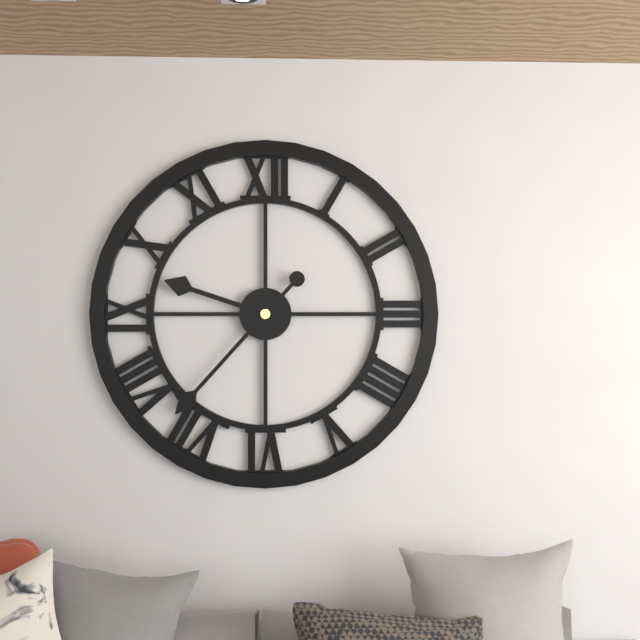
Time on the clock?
9:37
